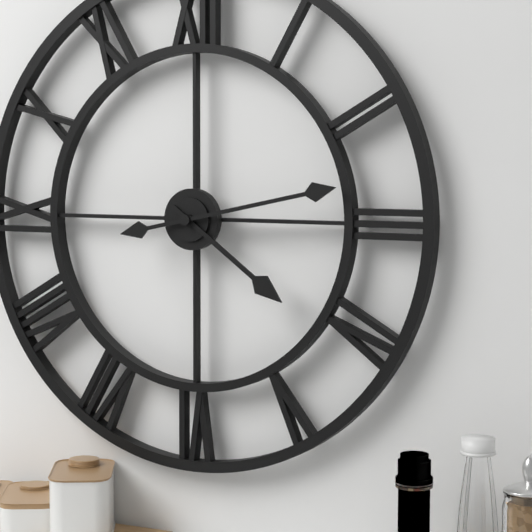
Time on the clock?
4:13
